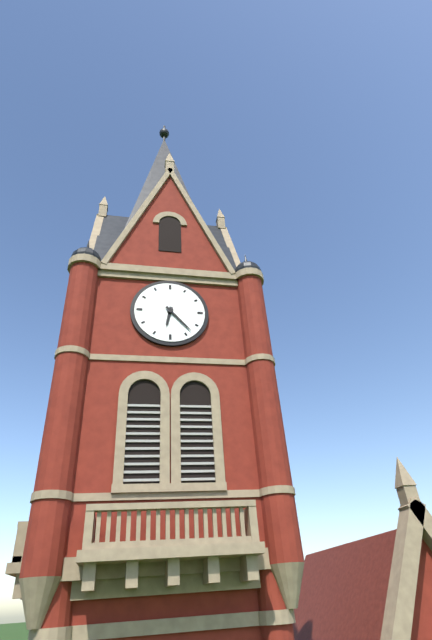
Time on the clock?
6:23
